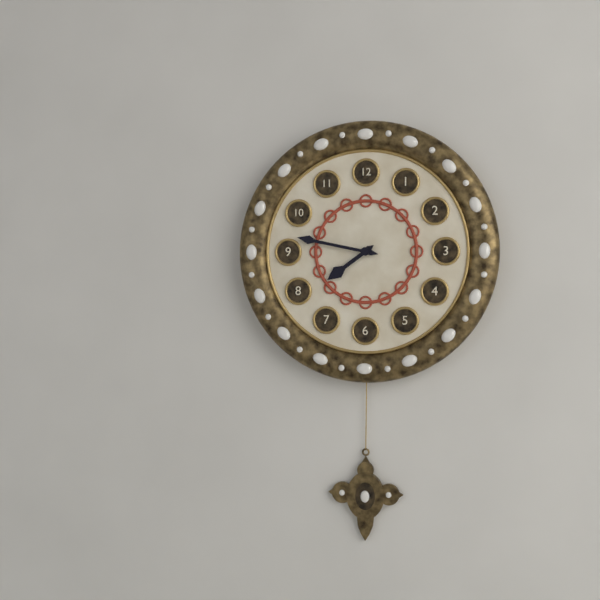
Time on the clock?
7:47
